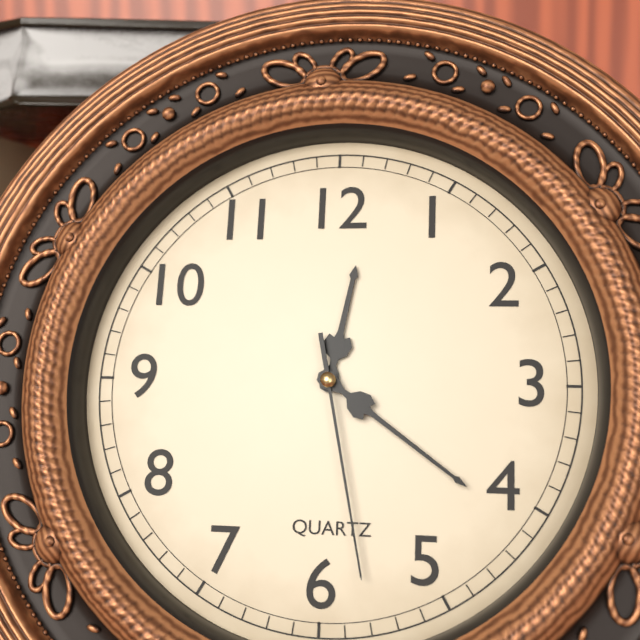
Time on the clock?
12:21:28
